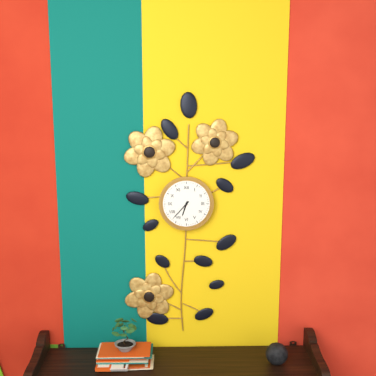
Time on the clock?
6:37
